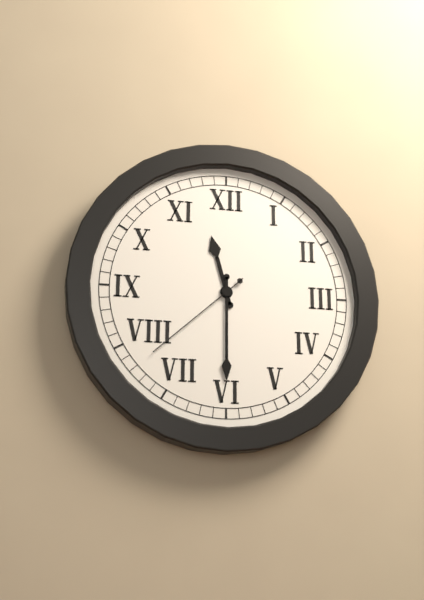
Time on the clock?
11:30:38
